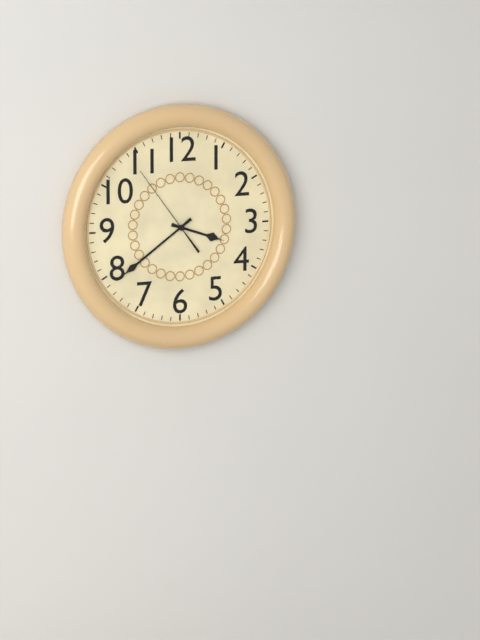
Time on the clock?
3:39:54
